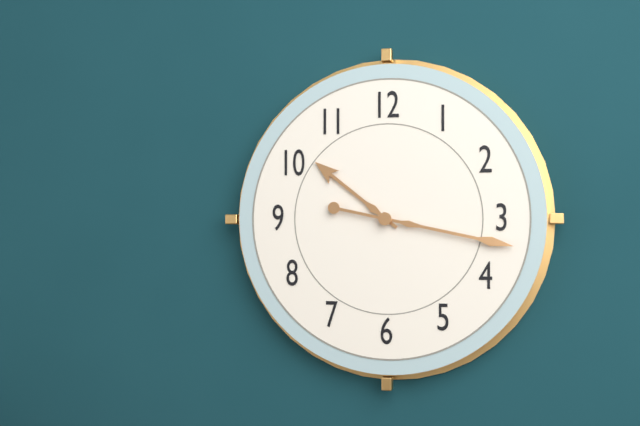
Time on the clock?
10:17
